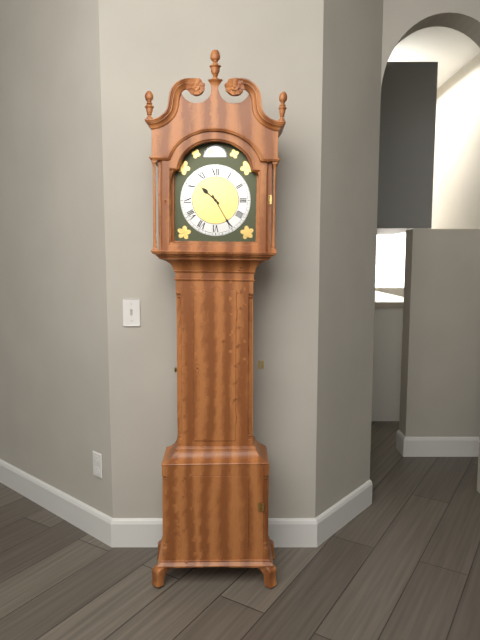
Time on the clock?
10:25
